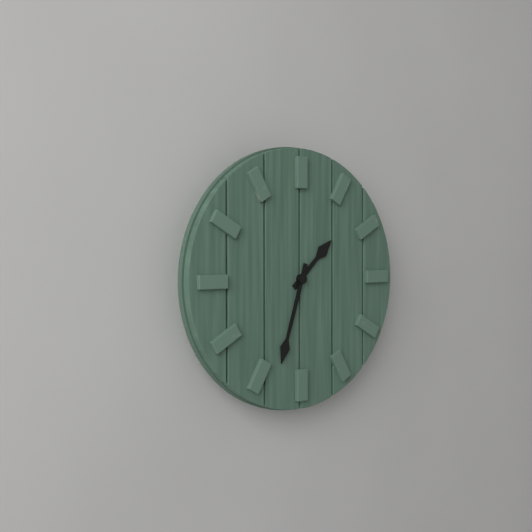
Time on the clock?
1:33
